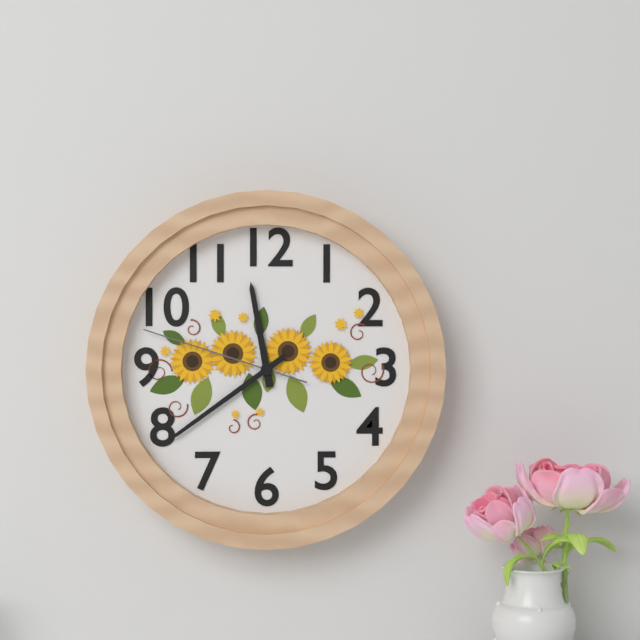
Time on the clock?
11:39:48
